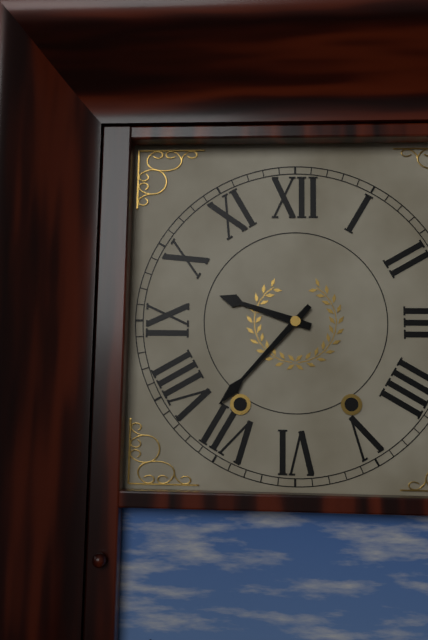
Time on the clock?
9:37
